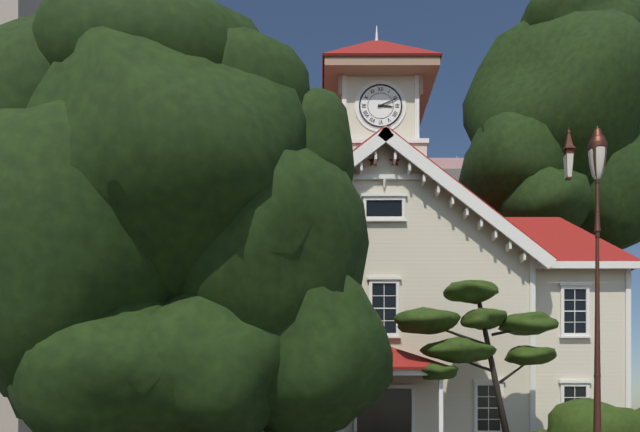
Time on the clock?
3:11
